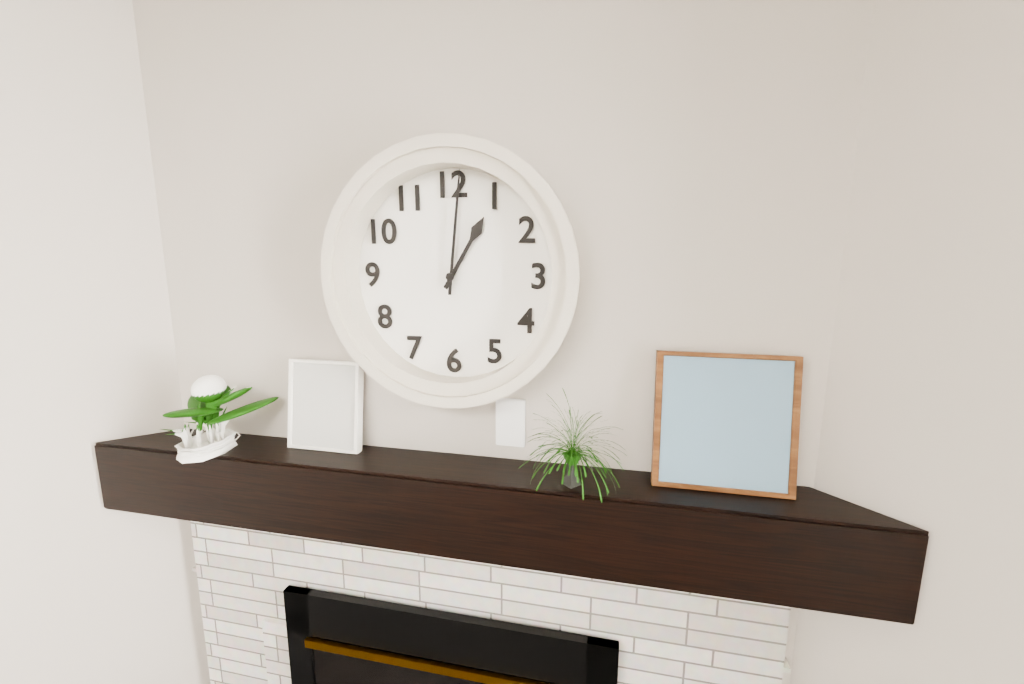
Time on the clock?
1:01
